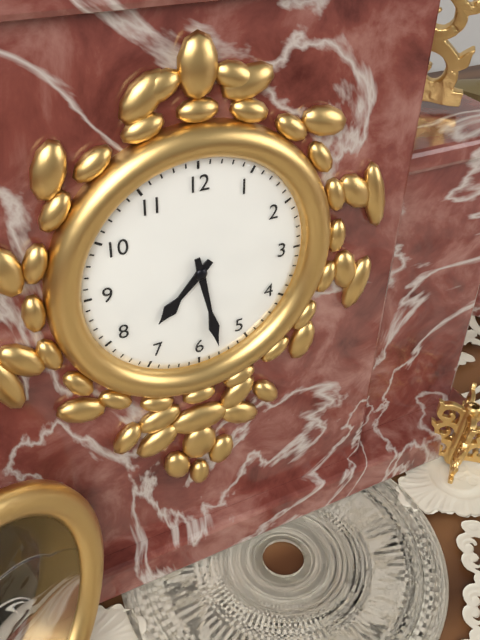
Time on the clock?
7:28
